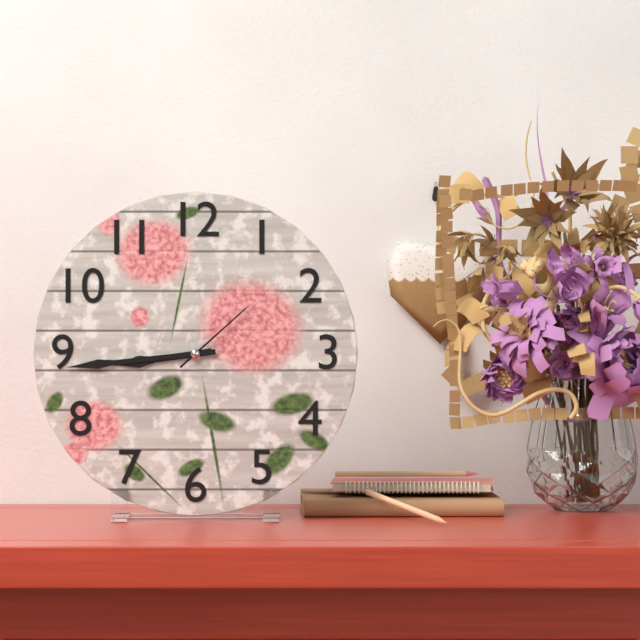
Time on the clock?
8:44:08
